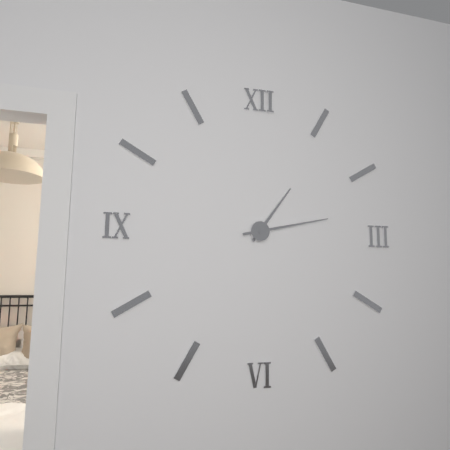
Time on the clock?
1:13
